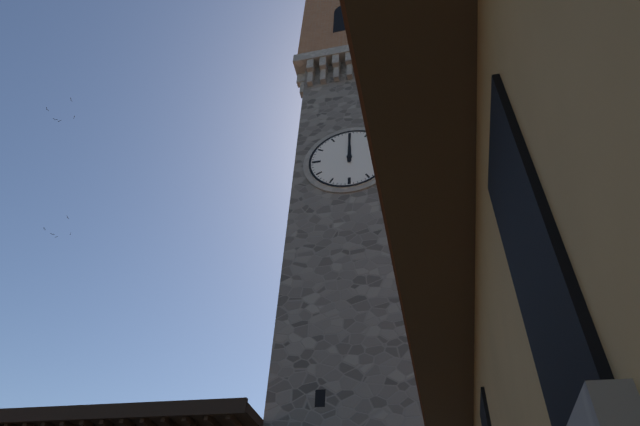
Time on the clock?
12:00
